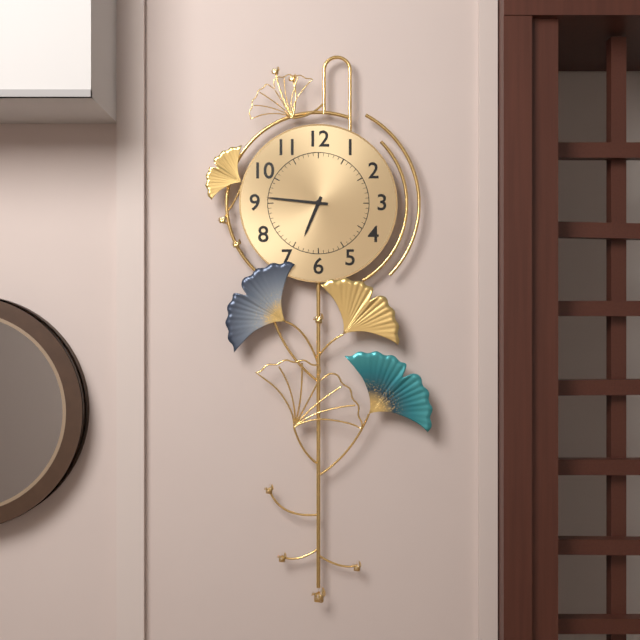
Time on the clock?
6:46
